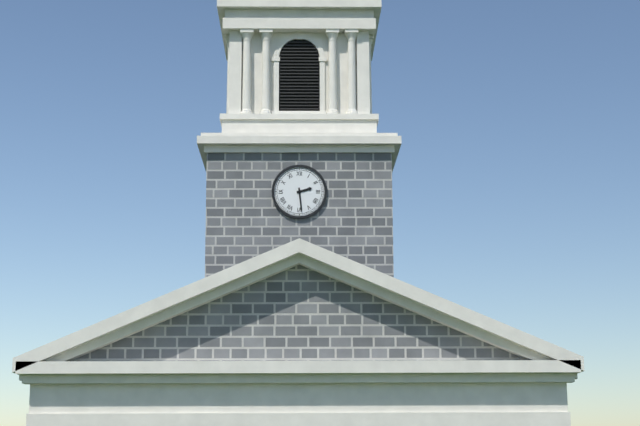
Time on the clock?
2:29
